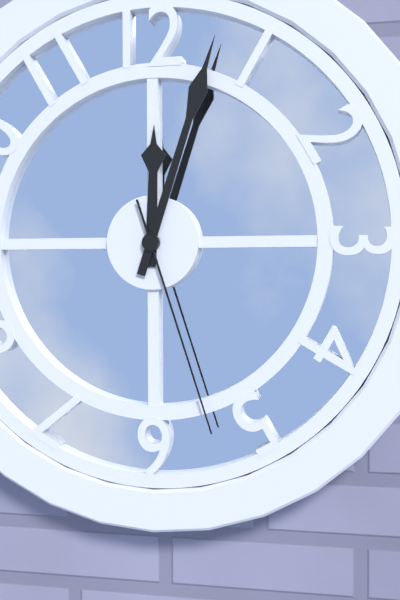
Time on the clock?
12:03:27
